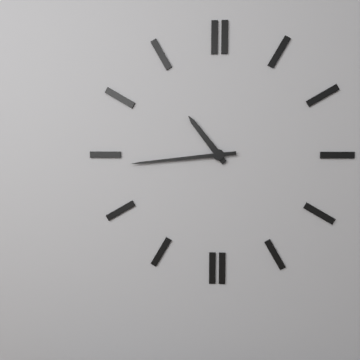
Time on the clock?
10:44
